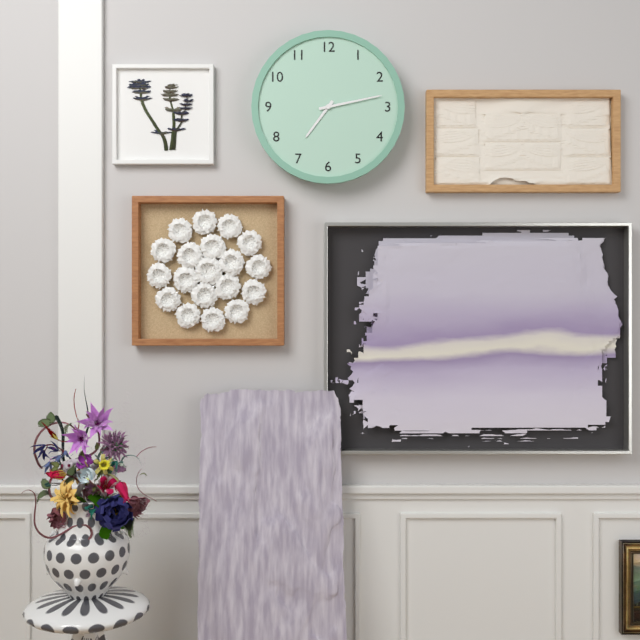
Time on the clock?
7:13
